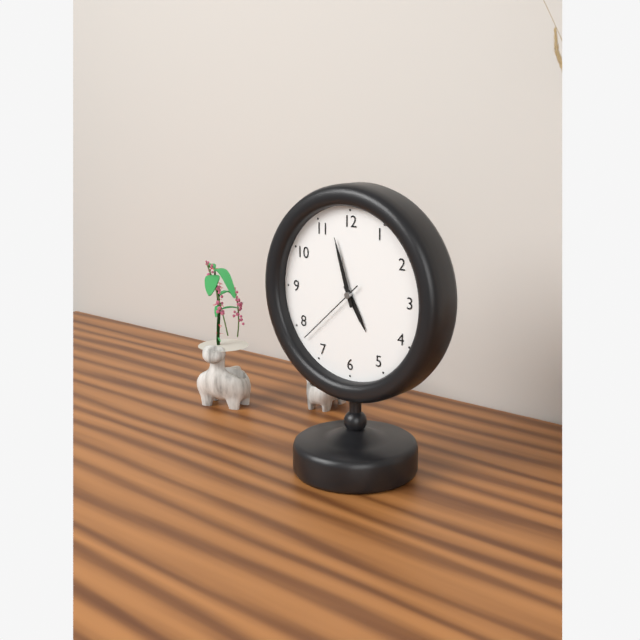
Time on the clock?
4:57:38
